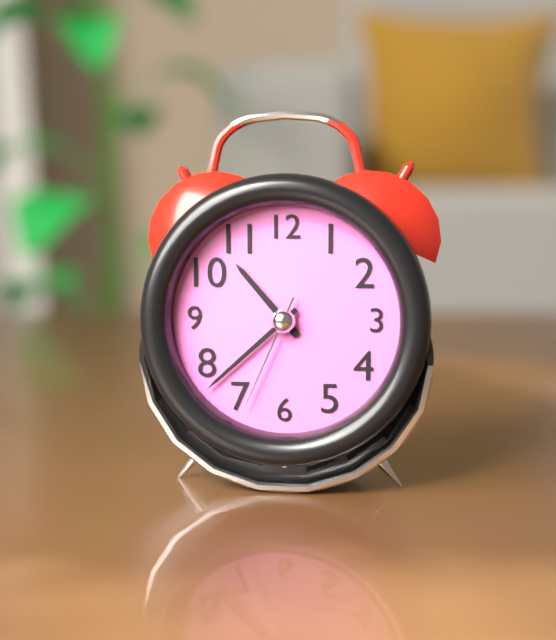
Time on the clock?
10:38:34
